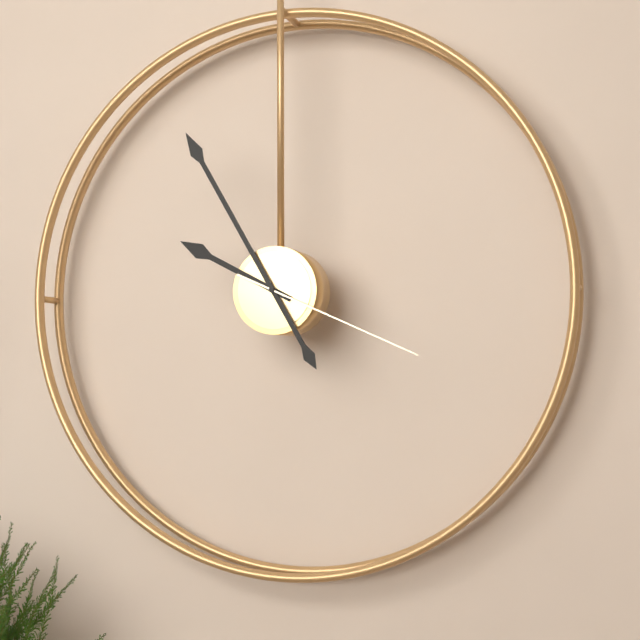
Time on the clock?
9:55:19
